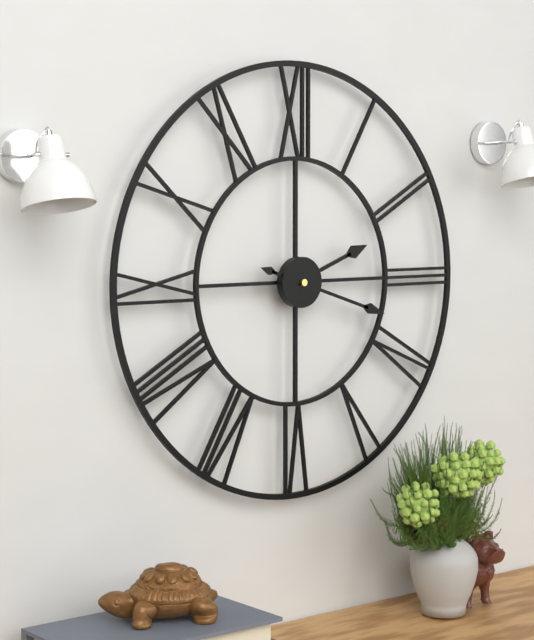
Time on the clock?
2:18
